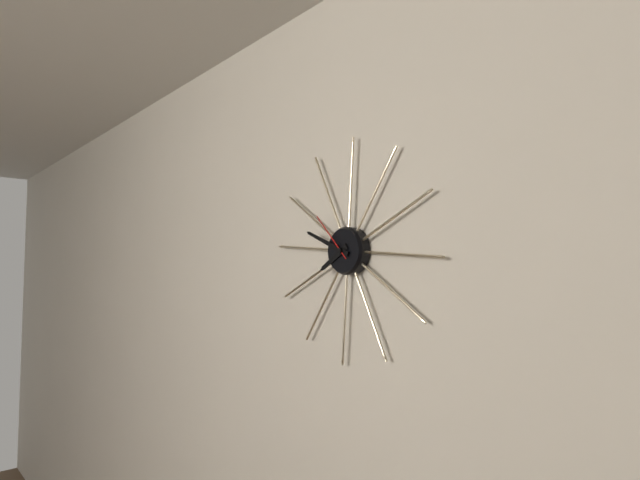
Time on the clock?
7:48:52
